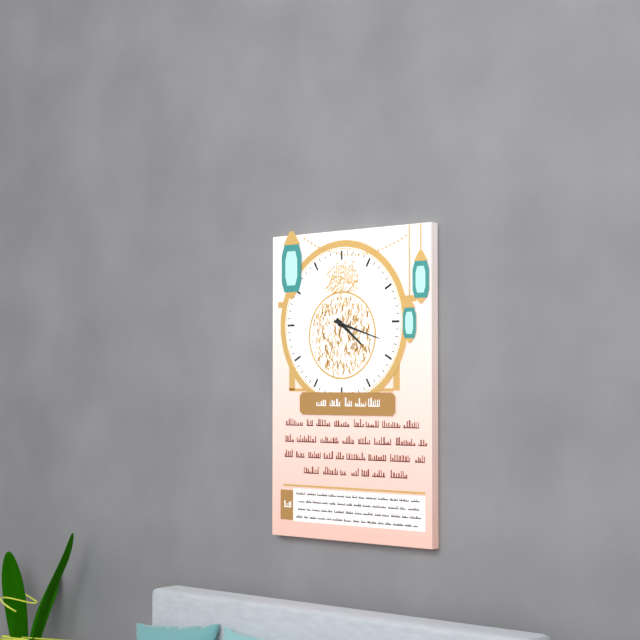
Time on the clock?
4:18
